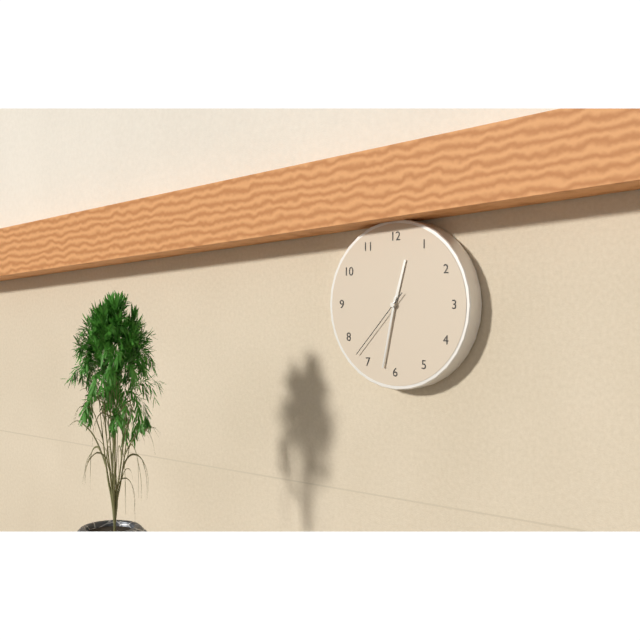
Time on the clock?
12:32:37
